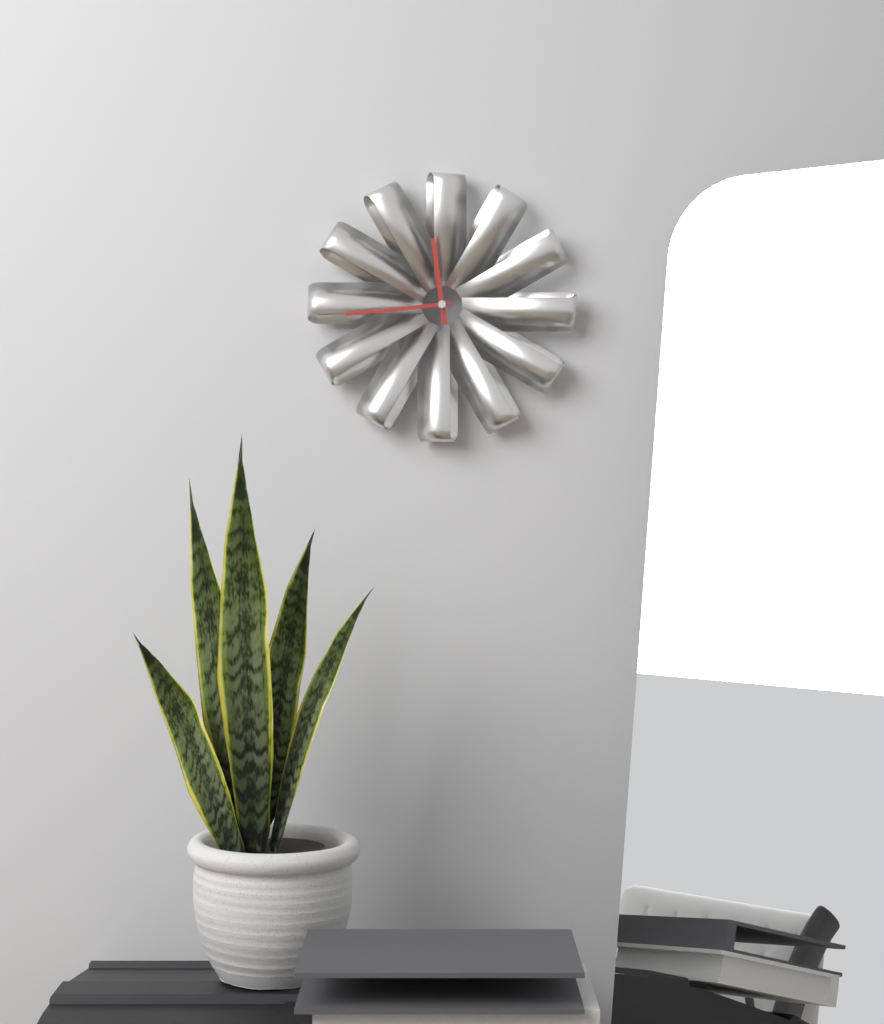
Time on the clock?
11:44
